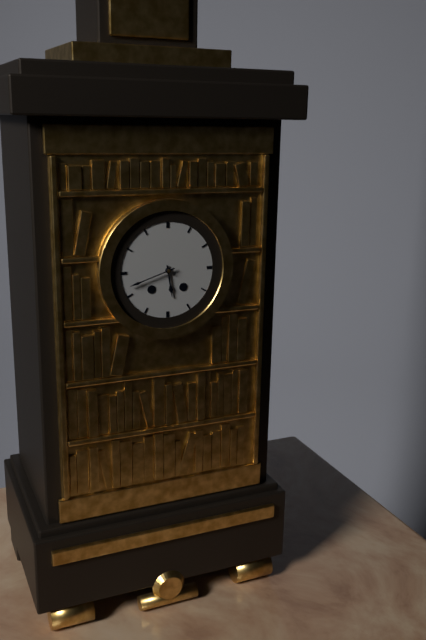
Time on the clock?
5:42
